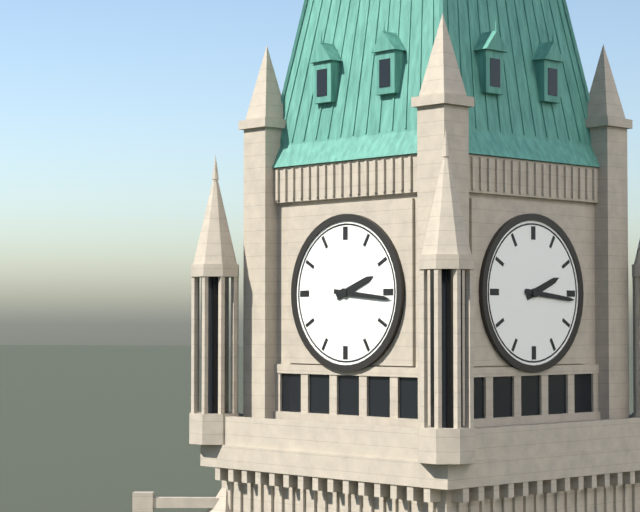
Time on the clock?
2:16
